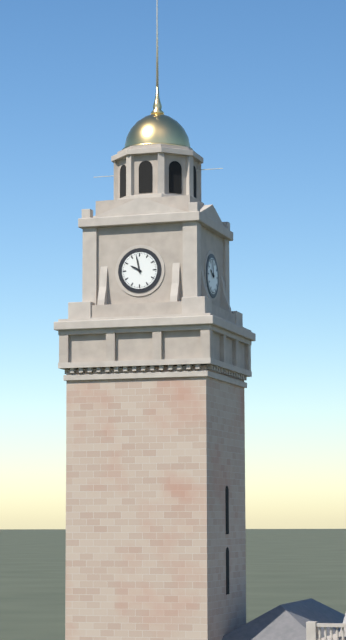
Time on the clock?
9:58
